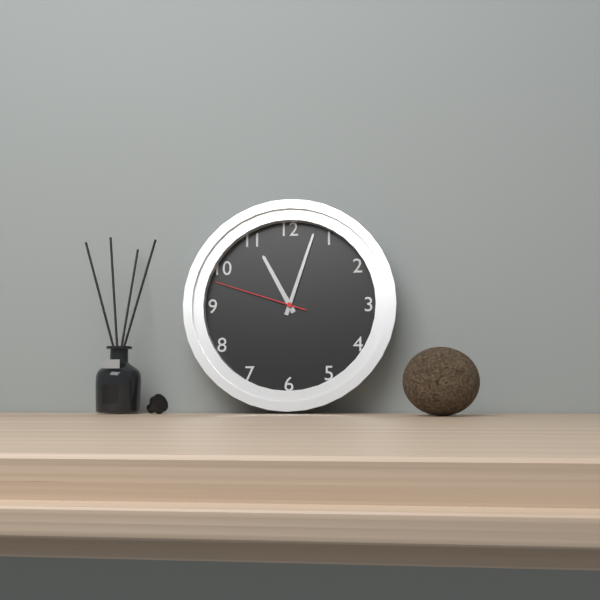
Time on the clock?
11:03:48
